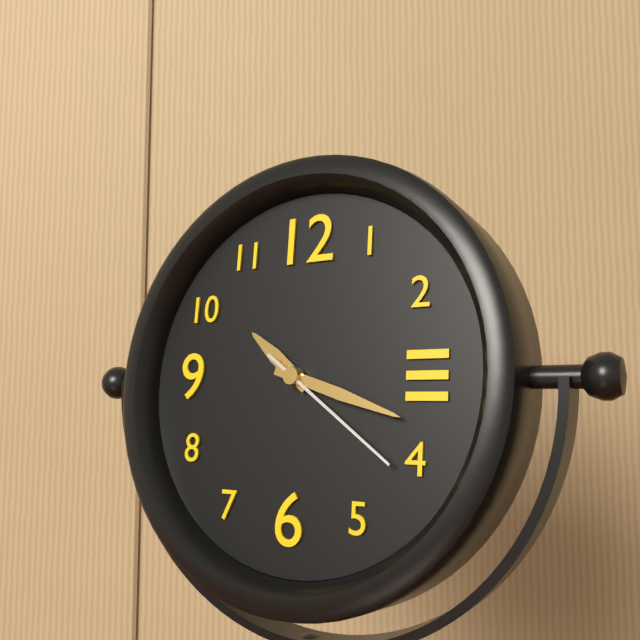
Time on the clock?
10:18:21
